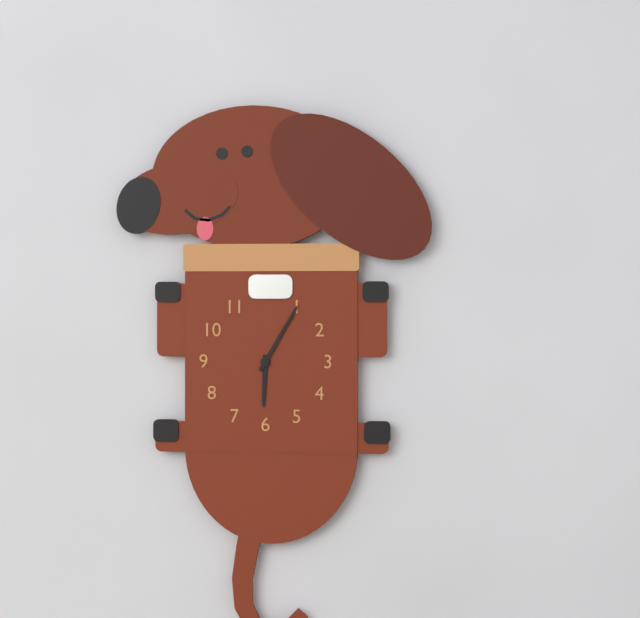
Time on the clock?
6:05
